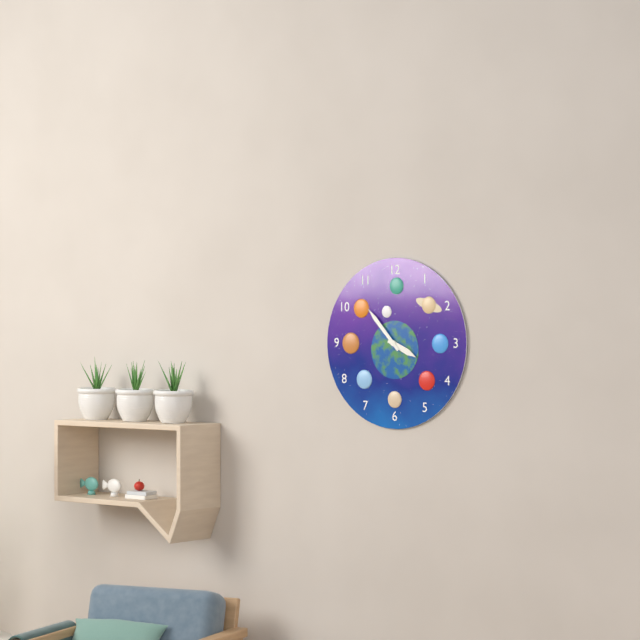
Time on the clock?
3:53
